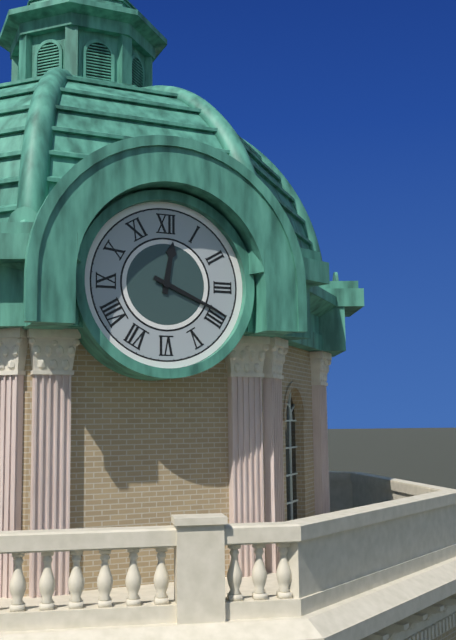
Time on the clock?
12:19
